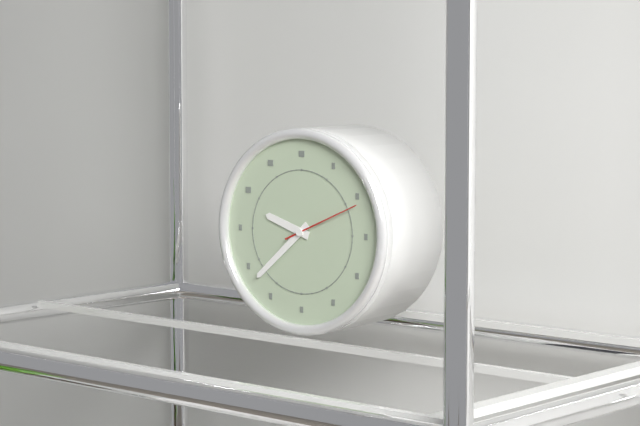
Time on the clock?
9:38:11
